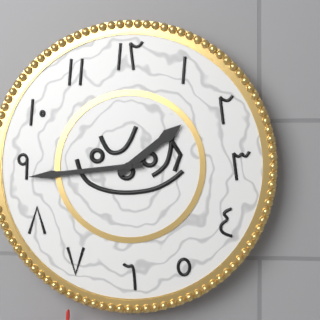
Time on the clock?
1:44
